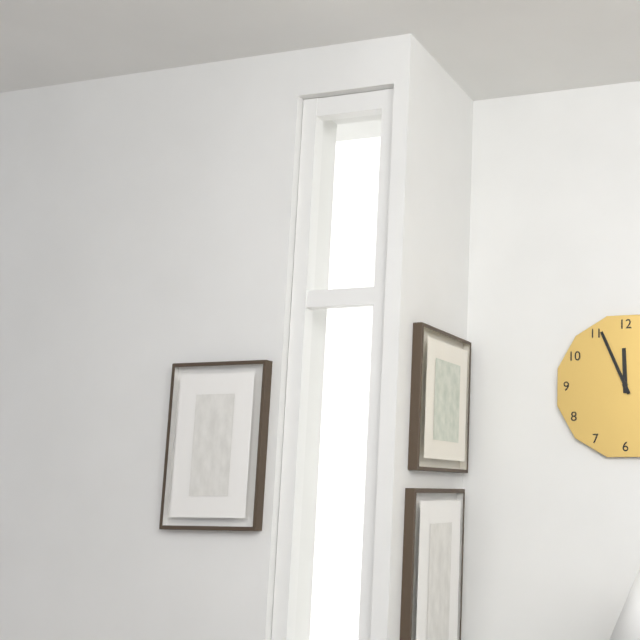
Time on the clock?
11:56
